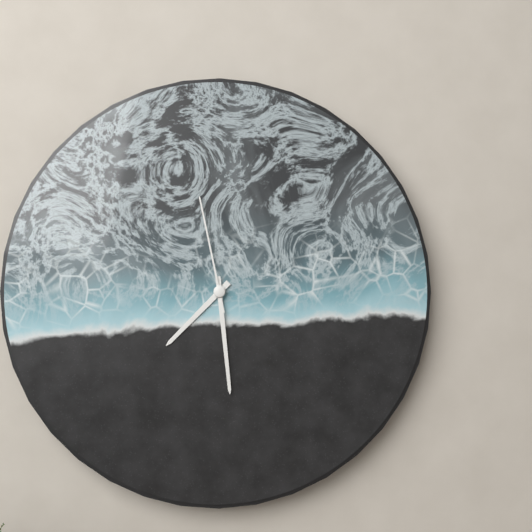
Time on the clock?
7:29:58
